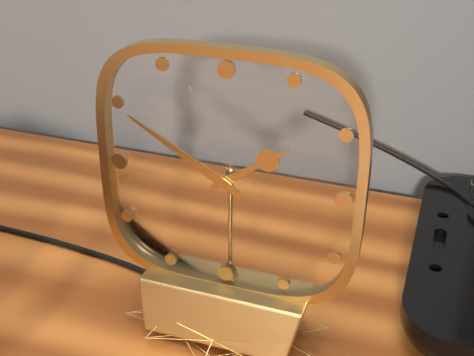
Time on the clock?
1:50
